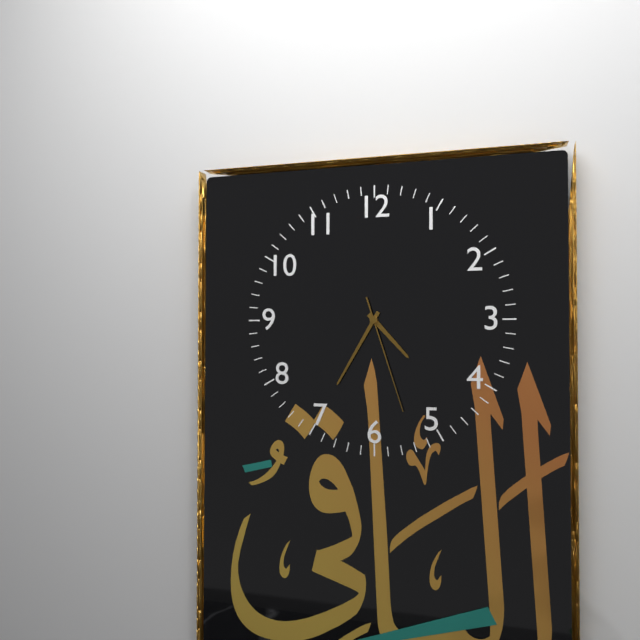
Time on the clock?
4:35:27
